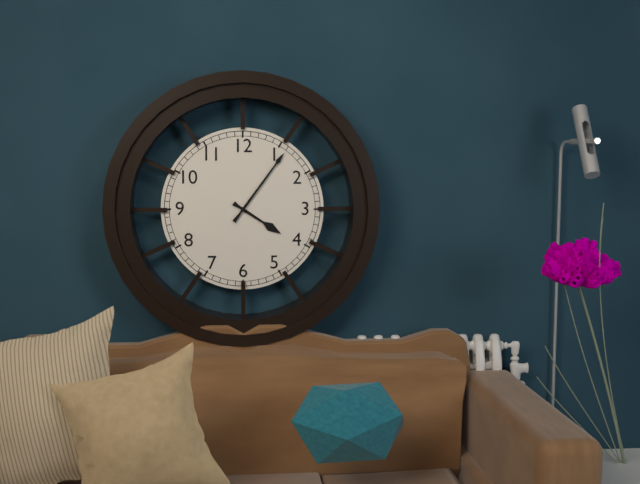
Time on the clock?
4:06
